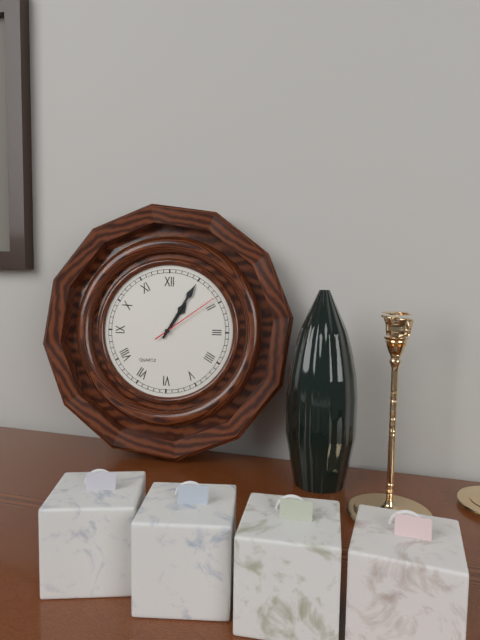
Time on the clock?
1:05:09
